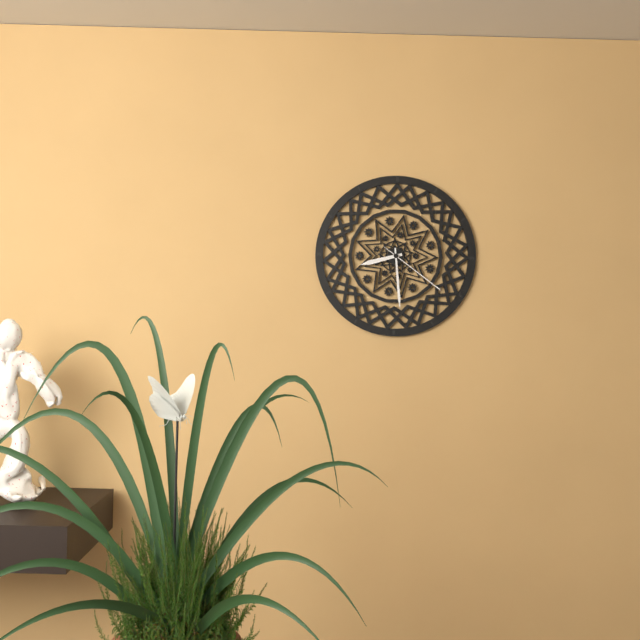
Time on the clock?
8:29:21
